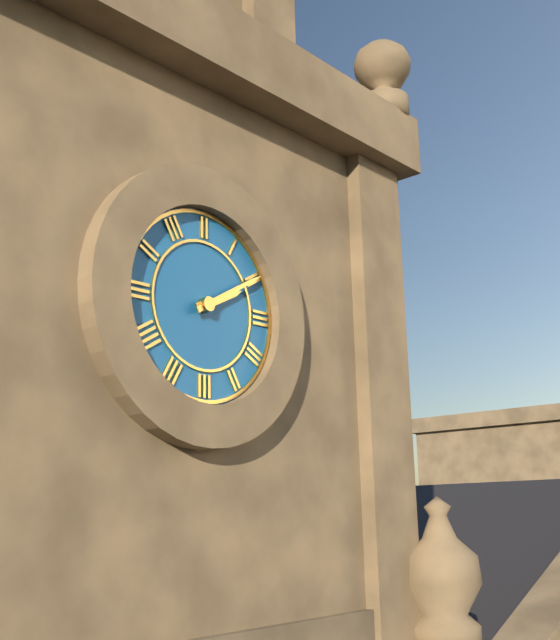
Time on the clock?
2:10
